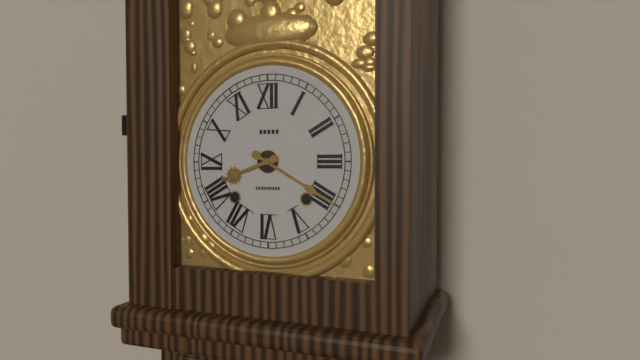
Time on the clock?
8:20
